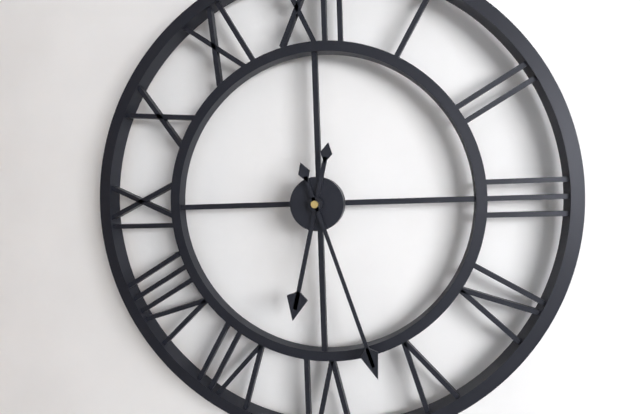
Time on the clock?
6:27
